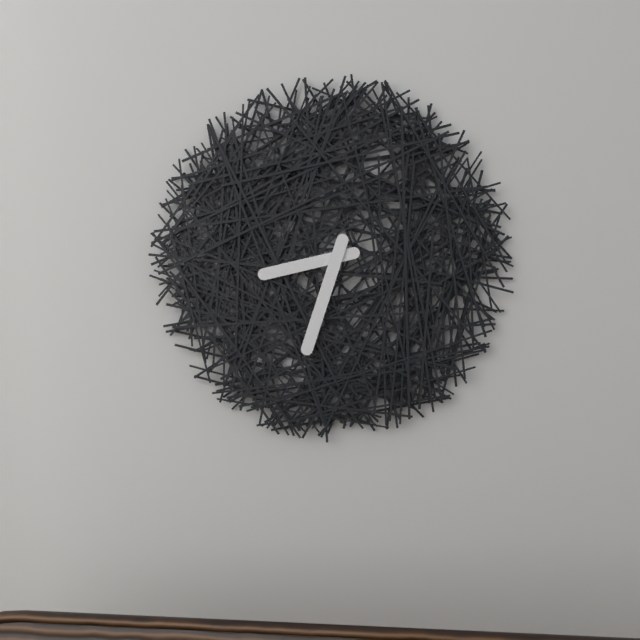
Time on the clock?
8:33
